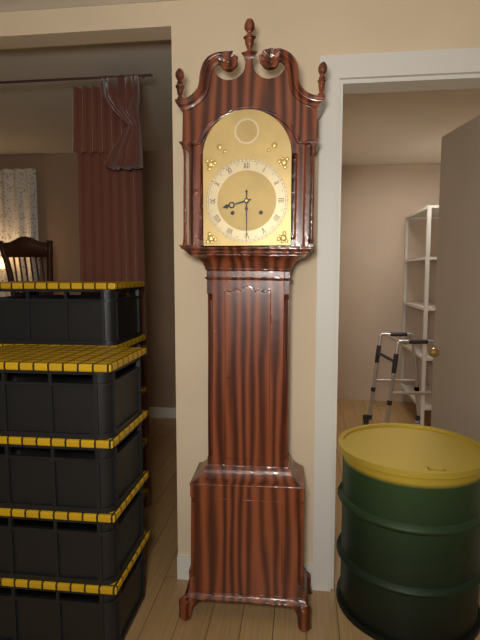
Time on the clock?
8:30
